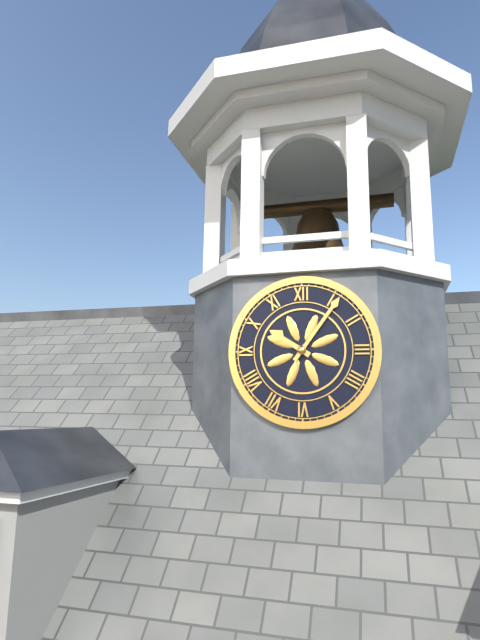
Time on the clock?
10:06
